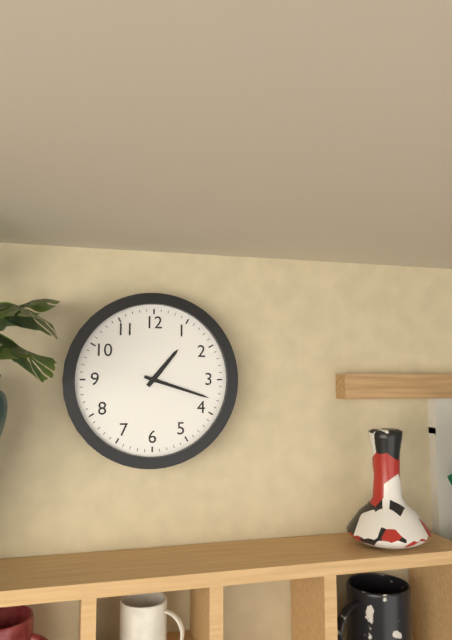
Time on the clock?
1:18
